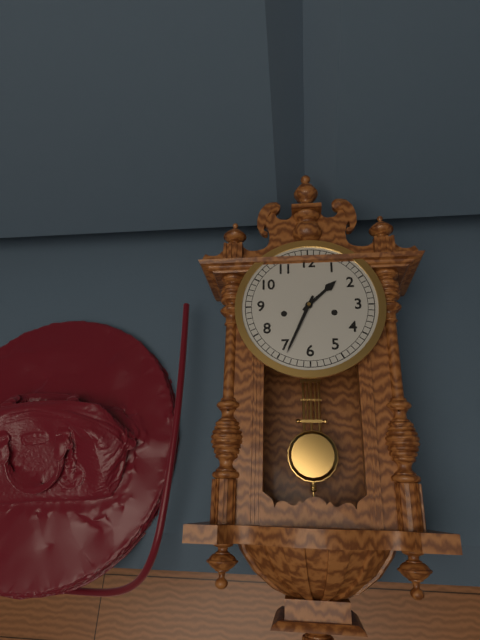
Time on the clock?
1:34
